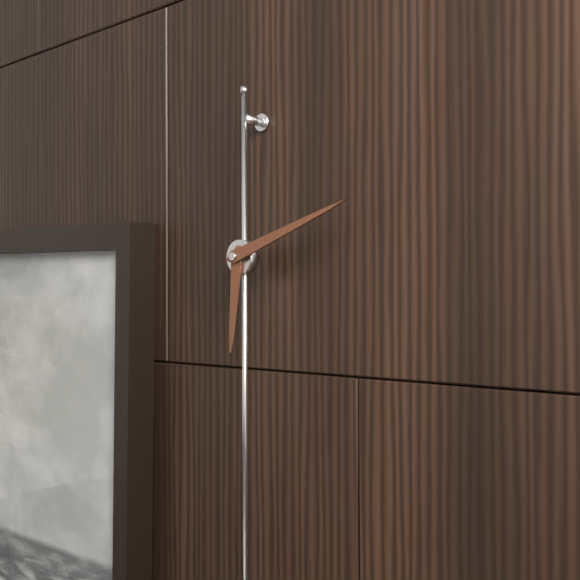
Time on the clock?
6:12
